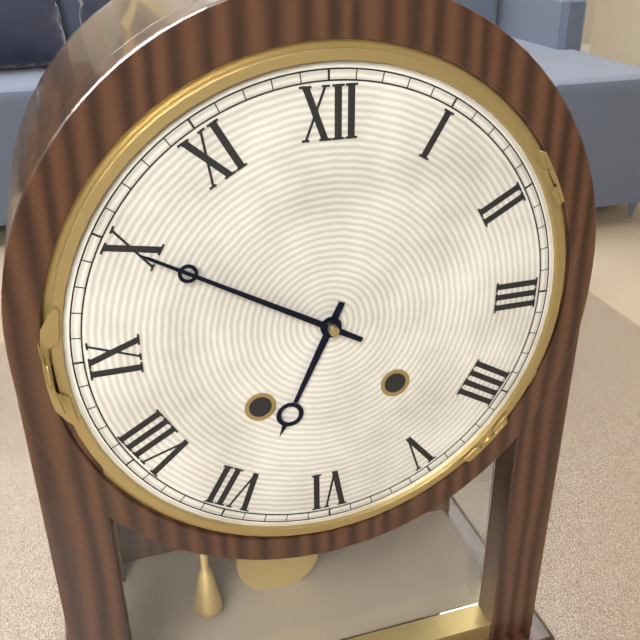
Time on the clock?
6:50
